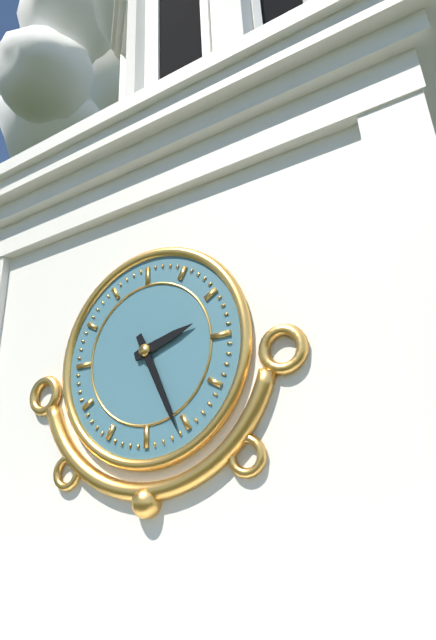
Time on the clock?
2:26
